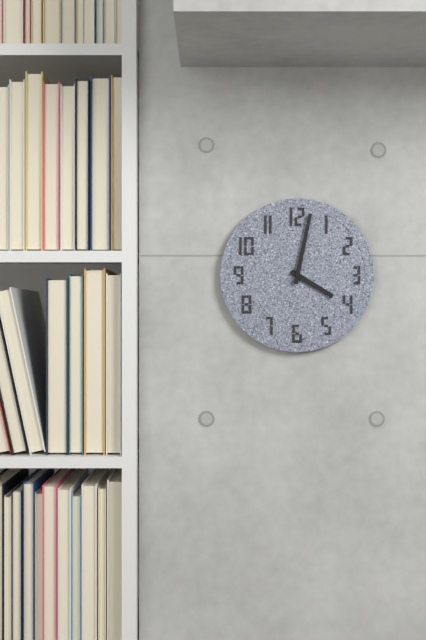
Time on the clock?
4:02
